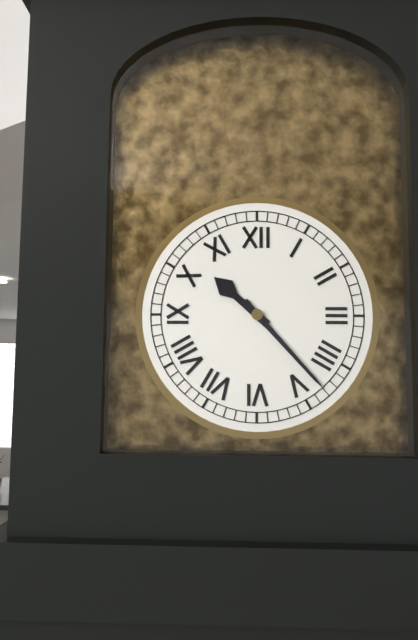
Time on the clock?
10:23
